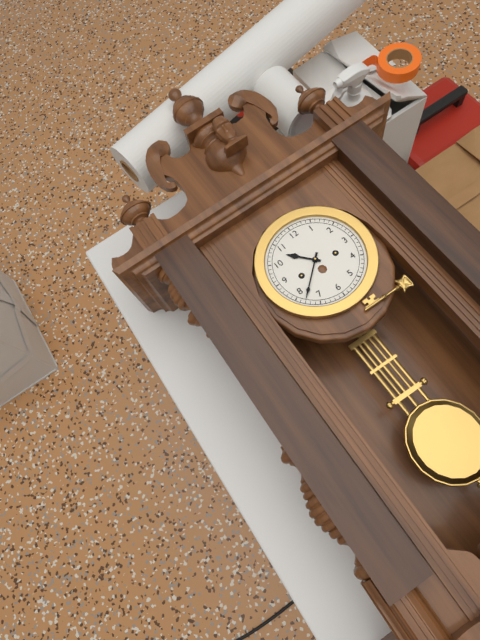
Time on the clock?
10:38
